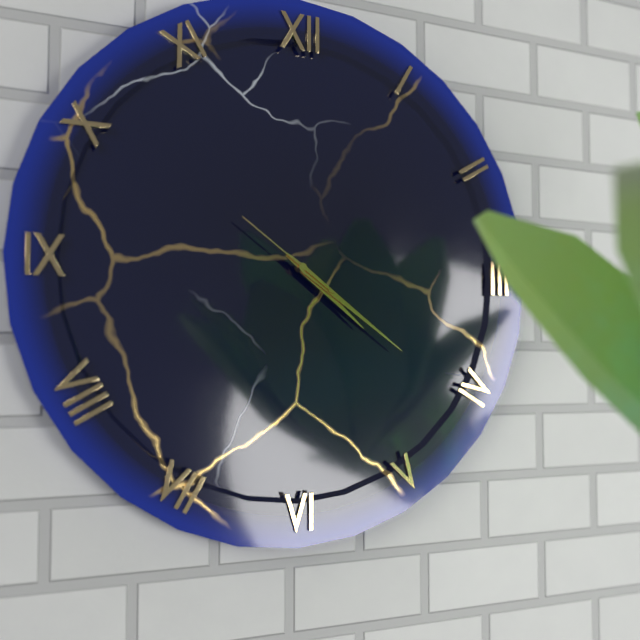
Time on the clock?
4:21:51
